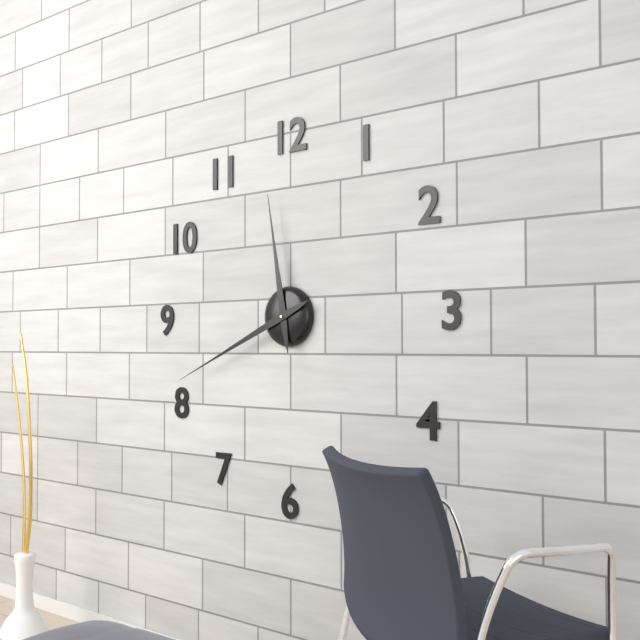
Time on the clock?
11:41
